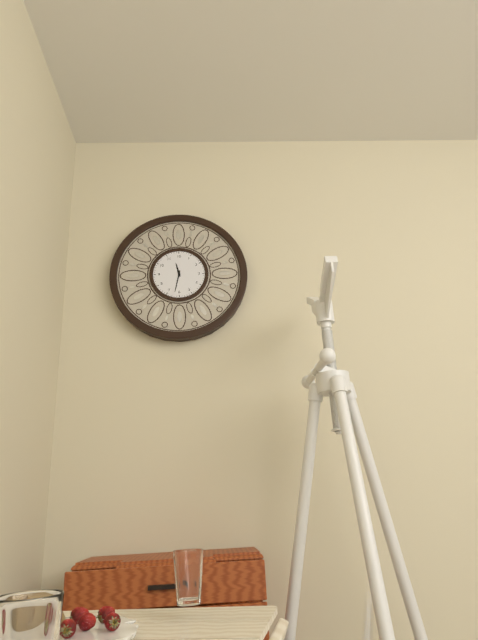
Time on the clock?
11:32
